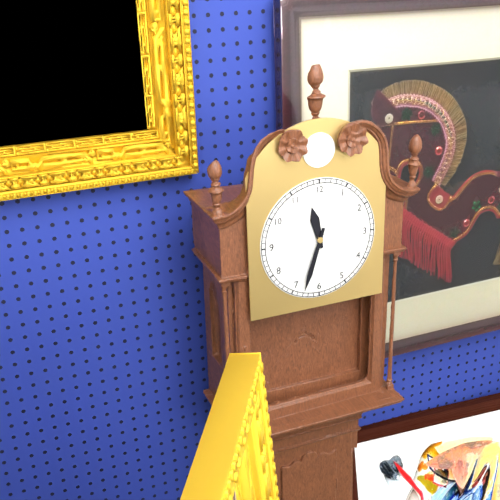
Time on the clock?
11:33
